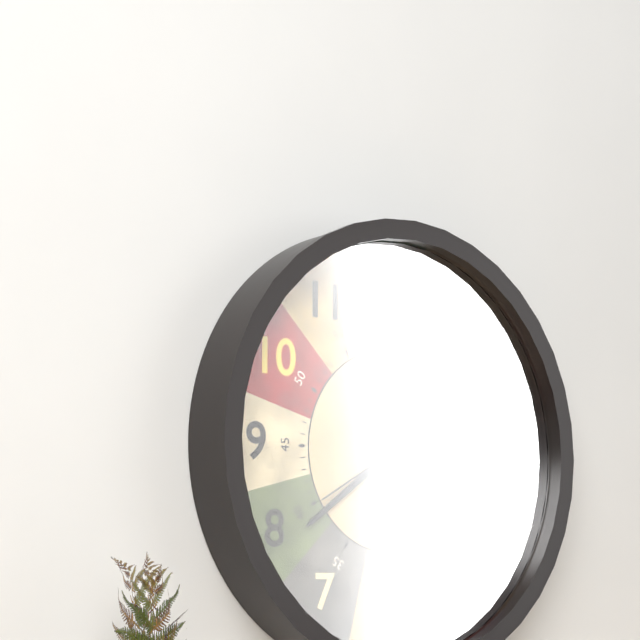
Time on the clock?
1:39:40
